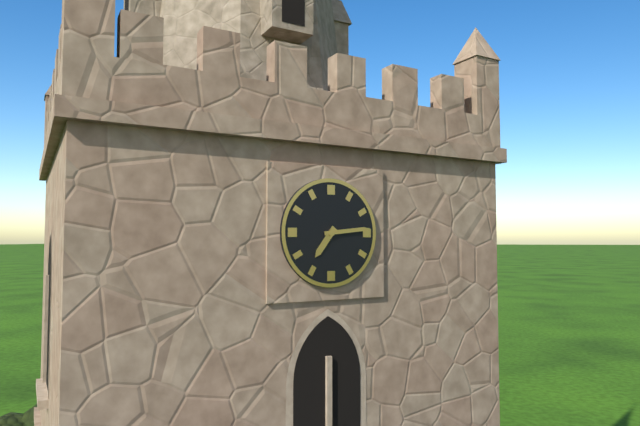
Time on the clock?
7:14
